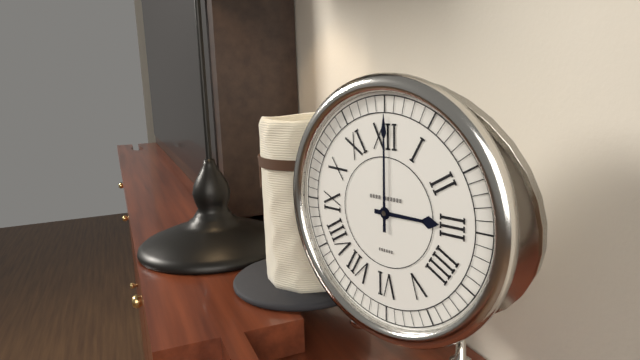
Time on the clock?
3:00
